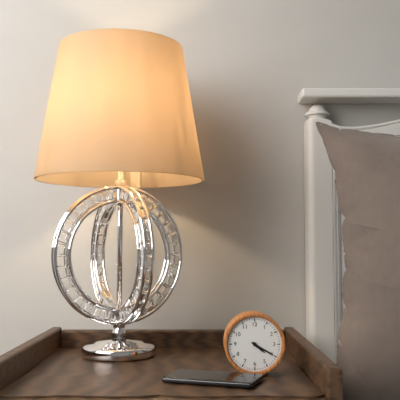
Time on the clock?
4:20
